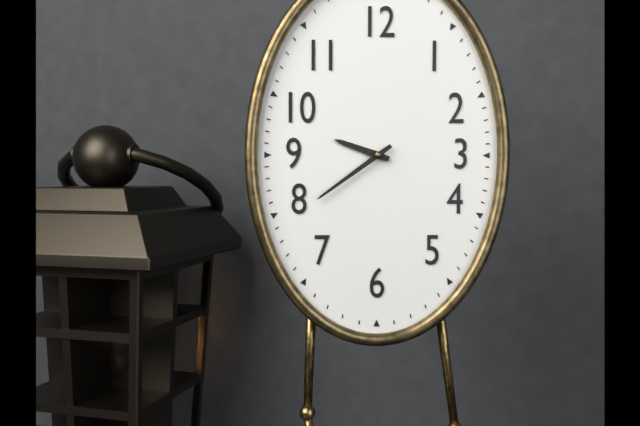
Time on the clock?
9:39
